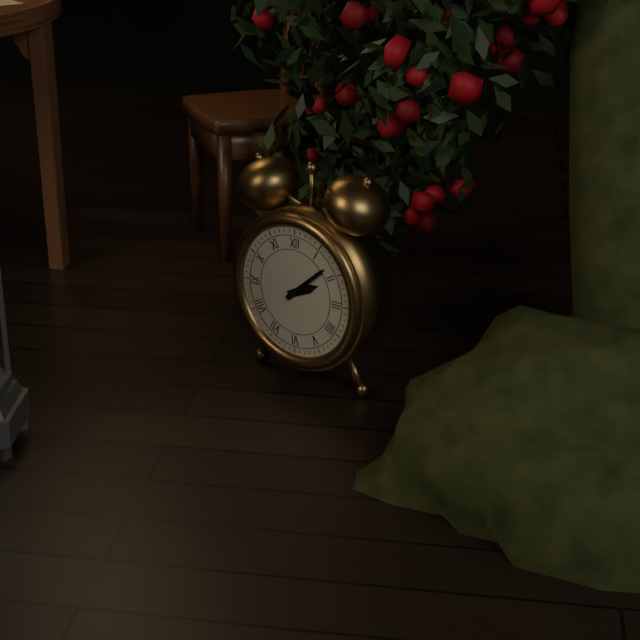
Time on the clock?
2:08
